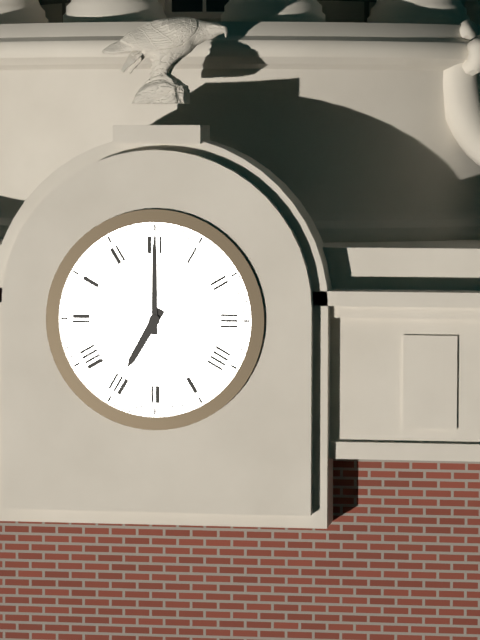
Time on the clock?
7:00
